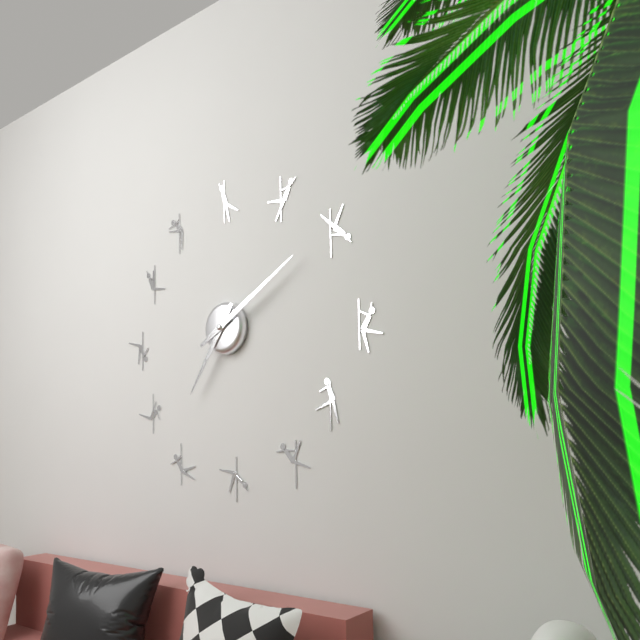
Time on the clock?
7:10
